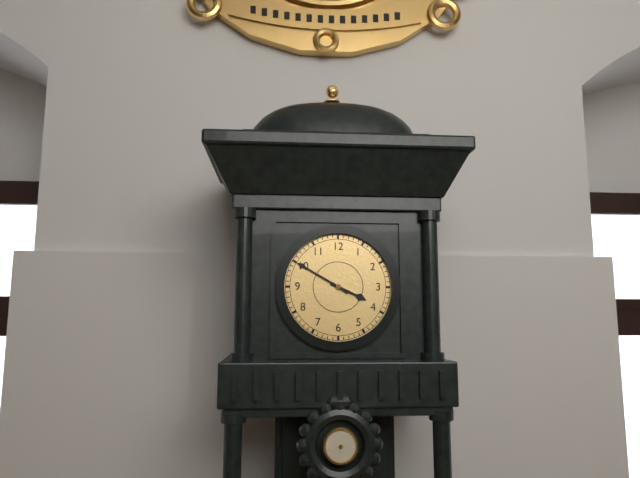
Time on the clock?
3:50
